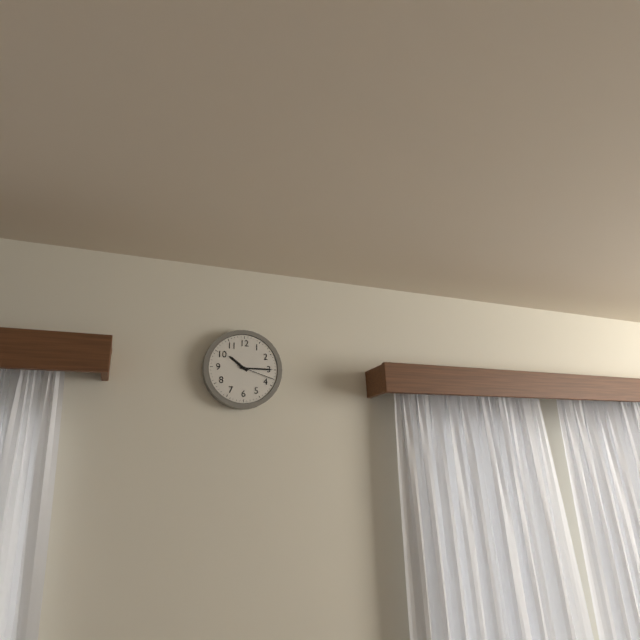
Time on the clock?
10:15
